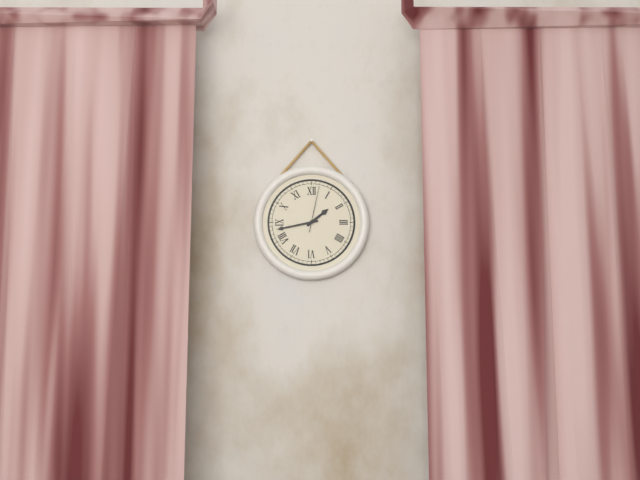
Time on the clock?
1:43
